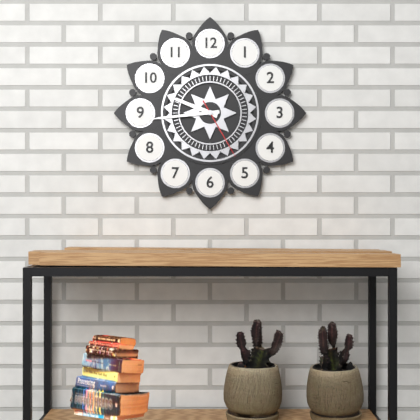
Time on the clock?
9:44:25
